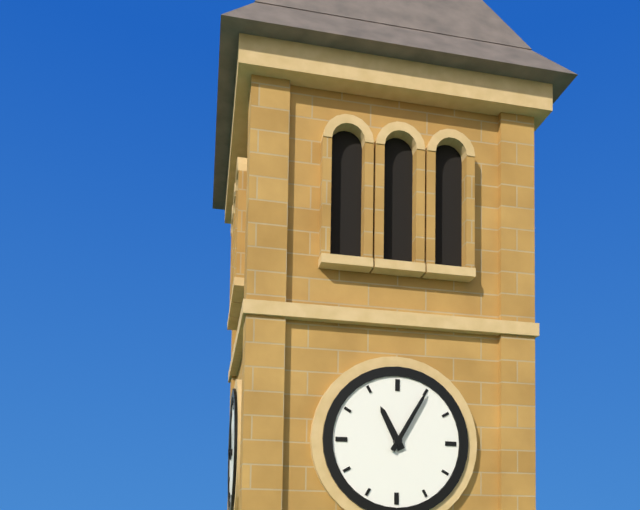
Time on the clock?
11:05
